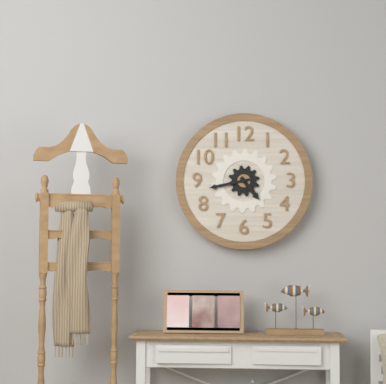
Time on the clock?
4:43
